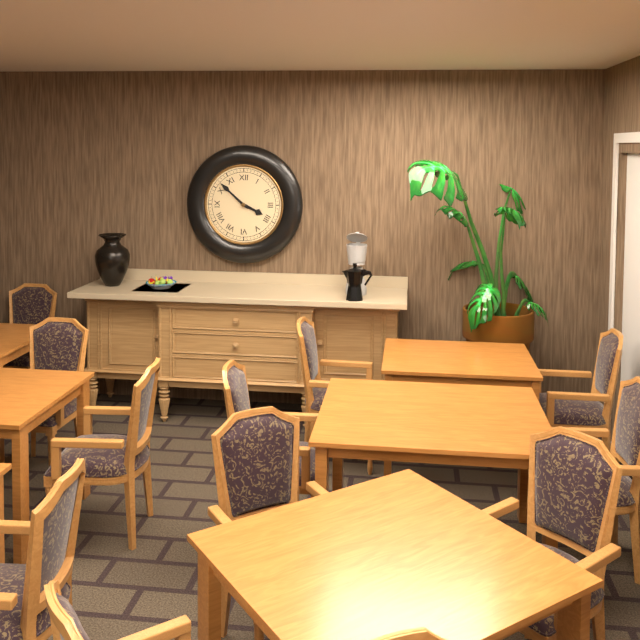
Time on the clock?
3:52
